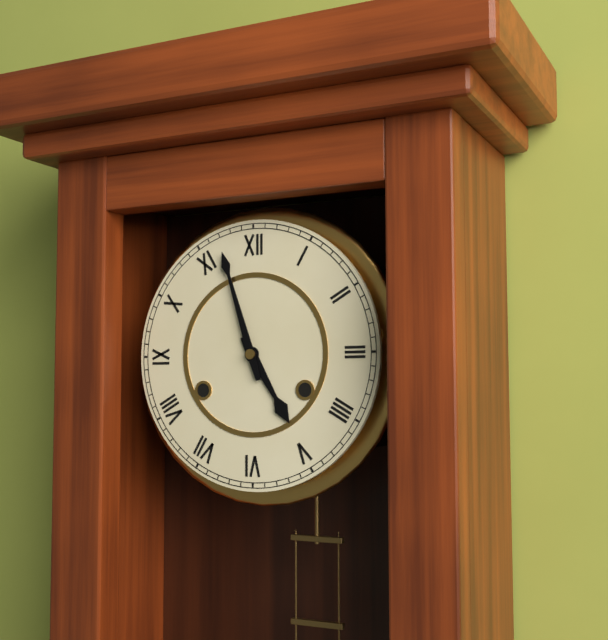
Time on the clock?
4:57
